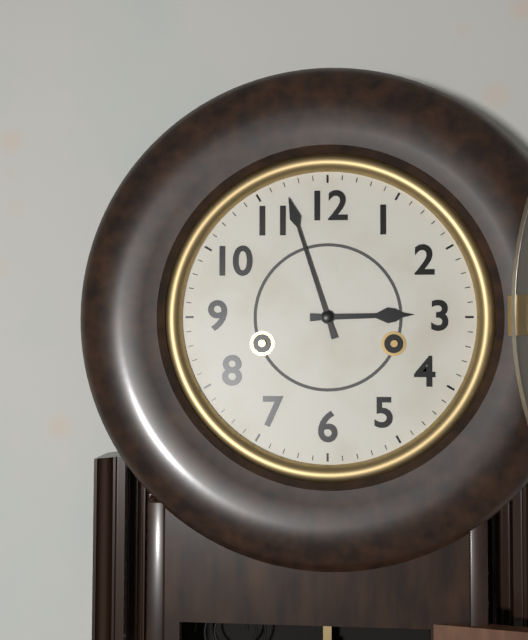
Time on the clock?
2:57
